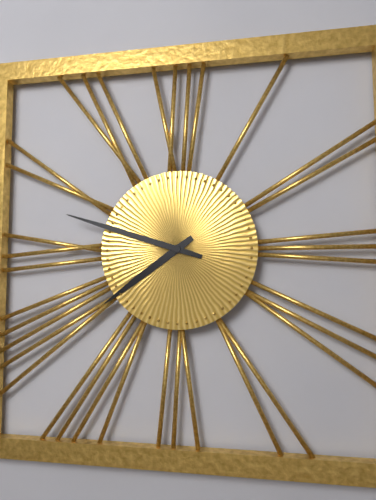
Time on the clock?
7:48
